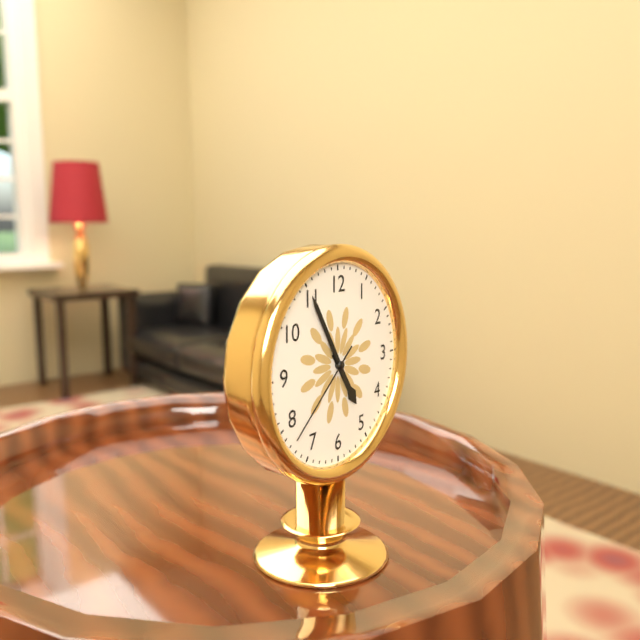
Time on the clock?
4:55:38
